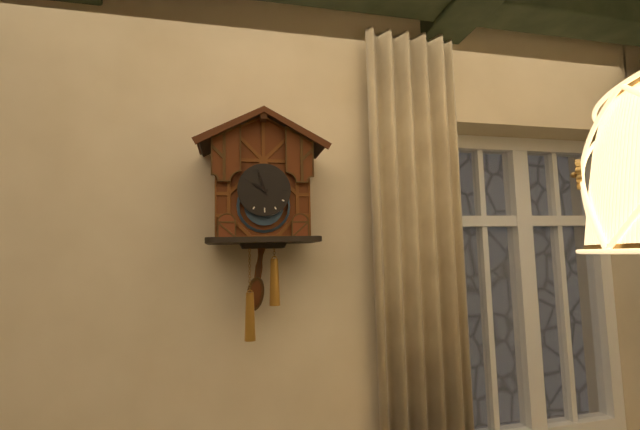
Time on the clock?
9:57
